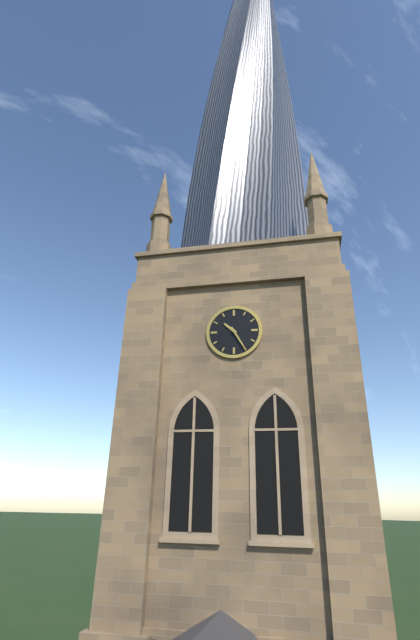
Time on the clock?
10:25
